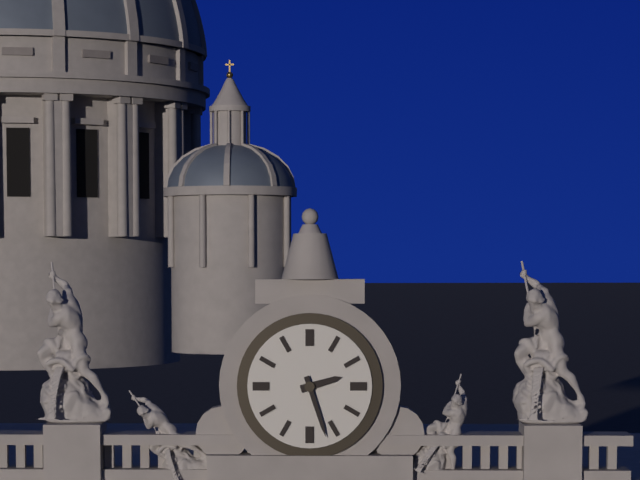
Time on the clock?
2:27
